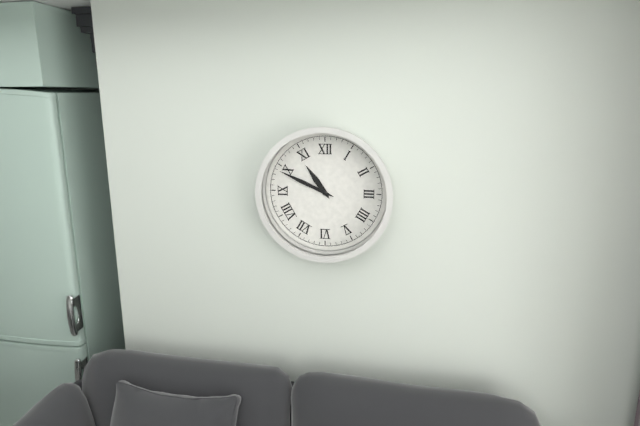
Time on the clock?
10:49
